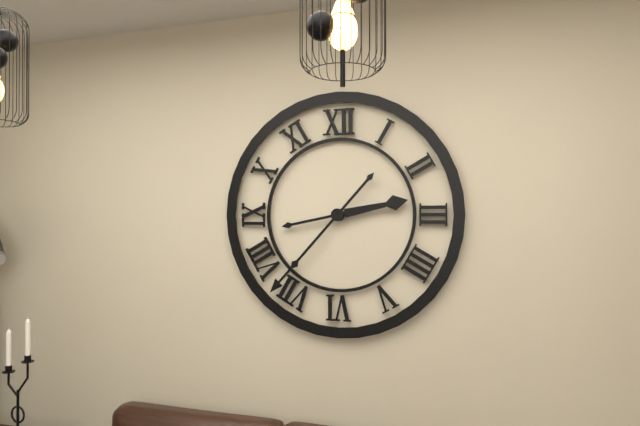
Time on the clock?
2:37
